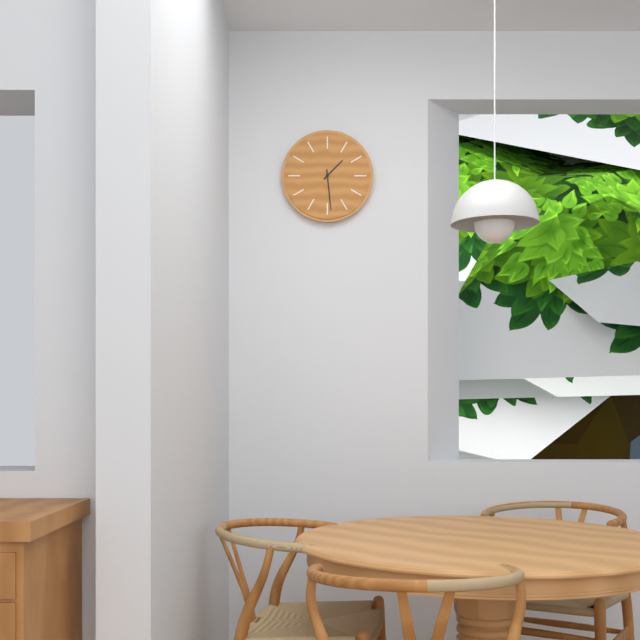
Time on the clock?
1:29
